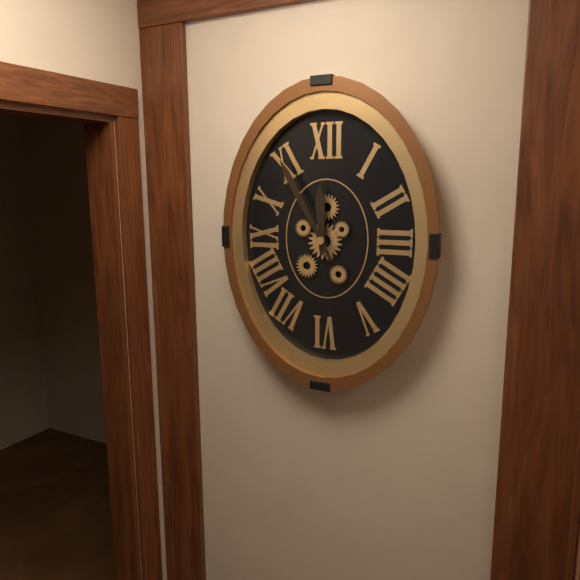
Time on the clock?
11:55
